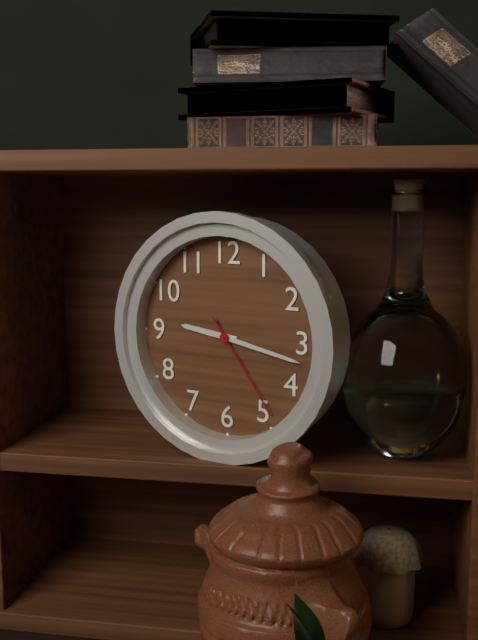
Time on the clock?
9:17:24
